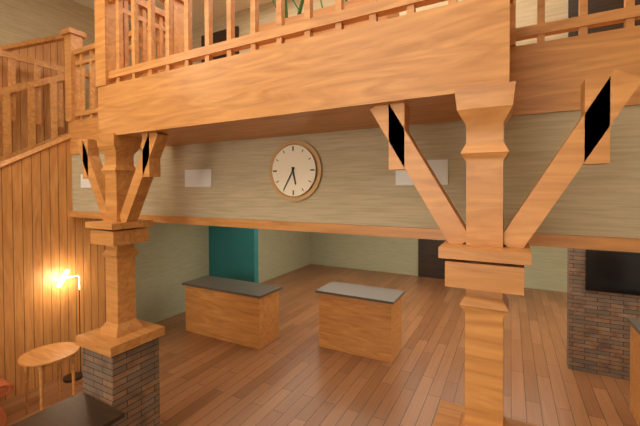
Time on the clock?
5:35
